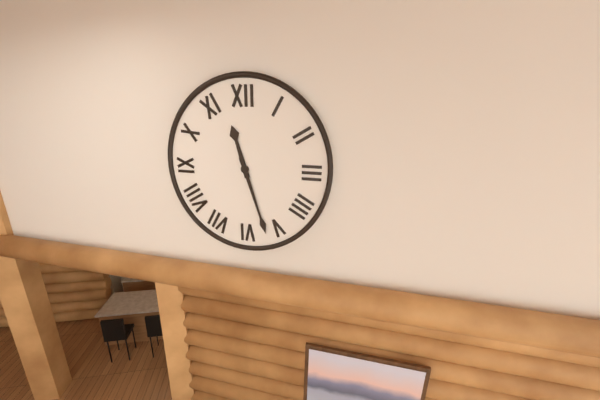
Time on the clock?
11:27
